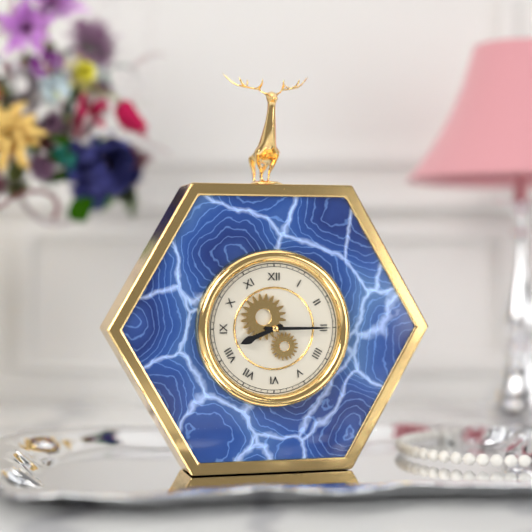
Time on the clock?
8:15
